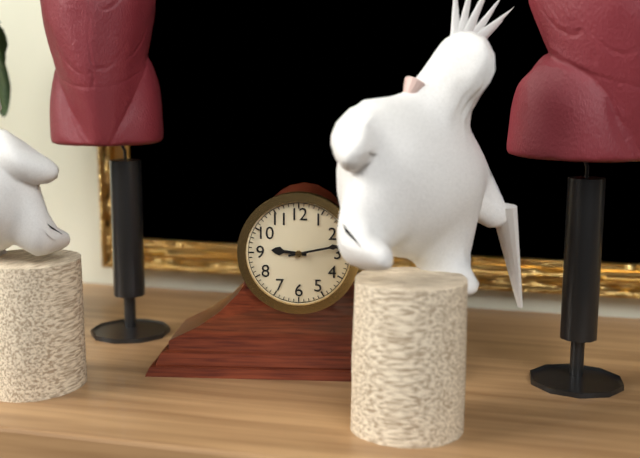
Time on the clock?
9:13
